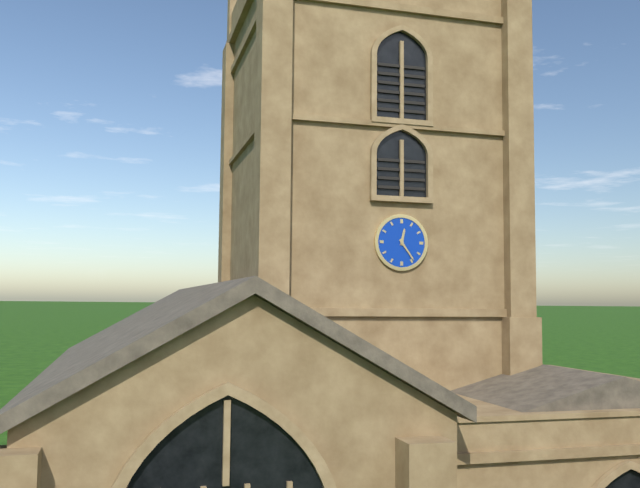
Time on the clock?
12:24
